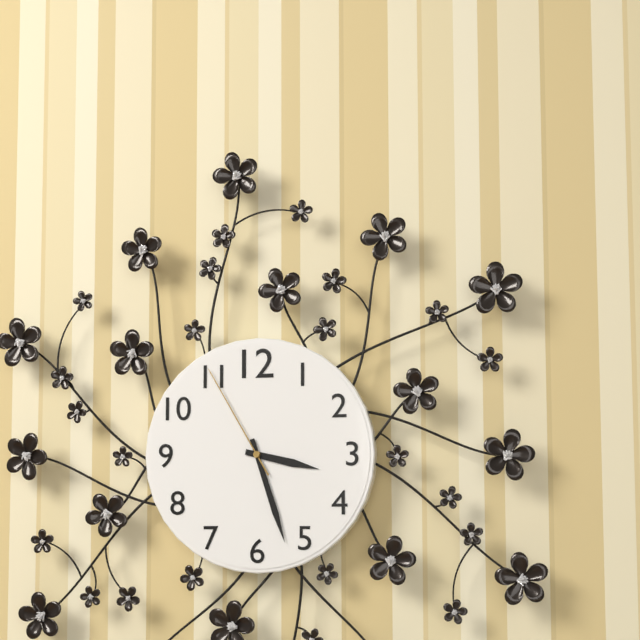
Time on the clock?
3:27:55
